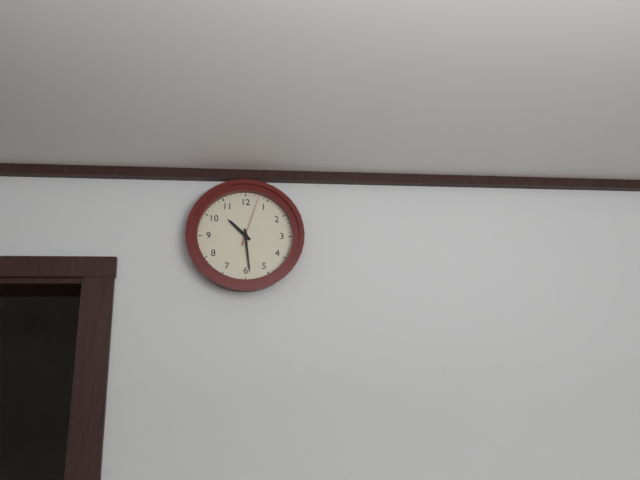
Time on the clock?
10:29:03
